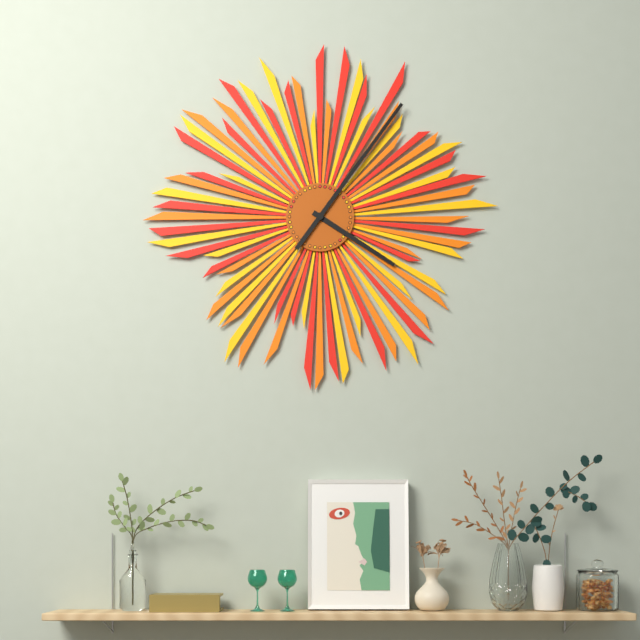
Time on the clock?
4:06
